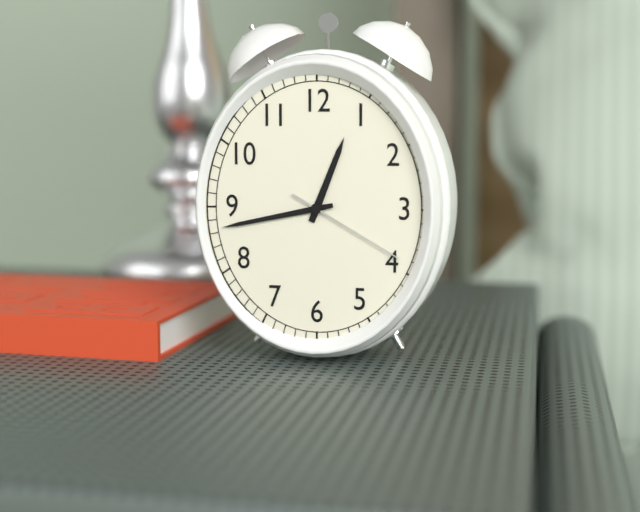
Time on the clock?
12:43:20
